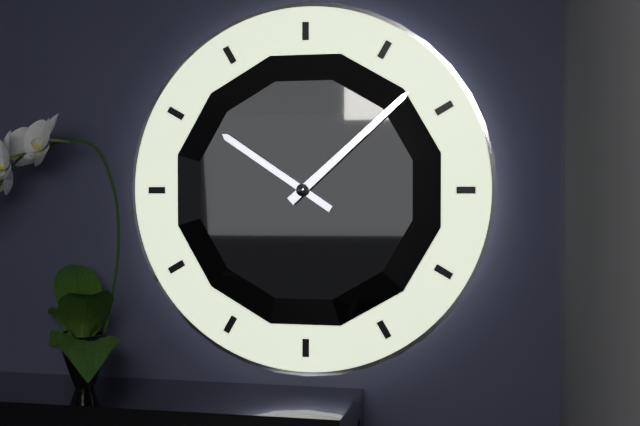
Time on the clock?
10:08
